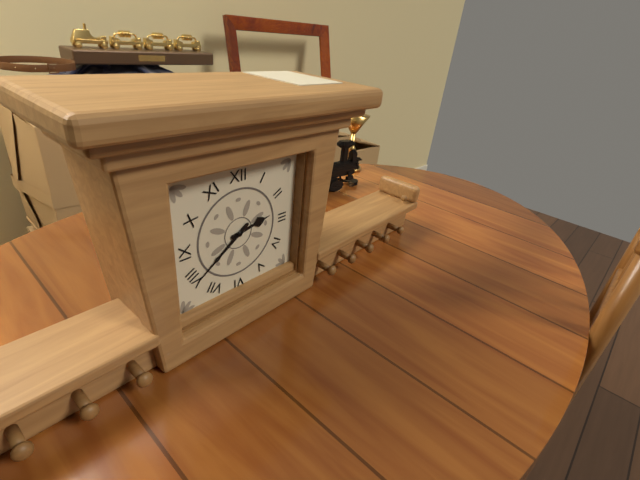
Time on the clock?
2:39
